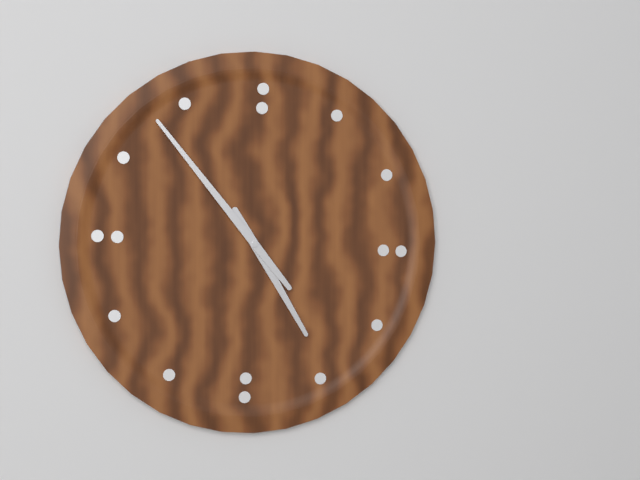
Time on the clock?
4:53
